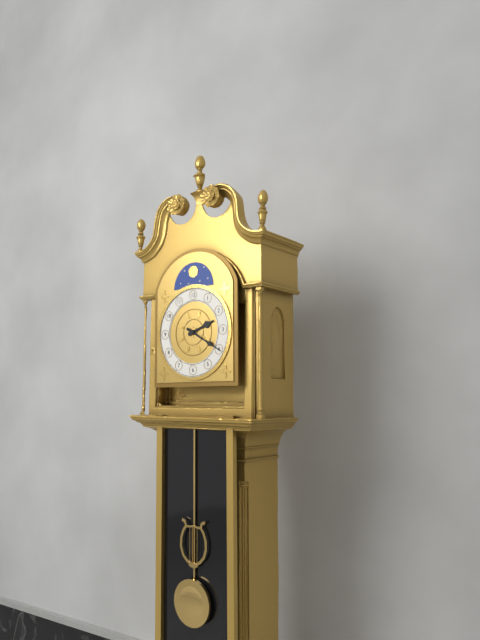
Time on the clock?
2:20
